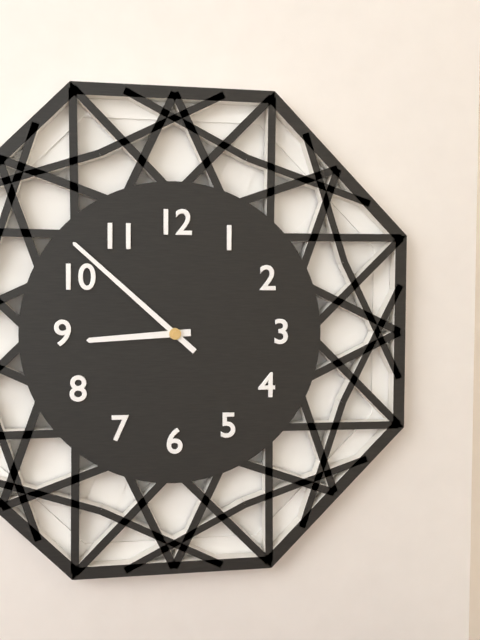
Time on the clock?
8:52
